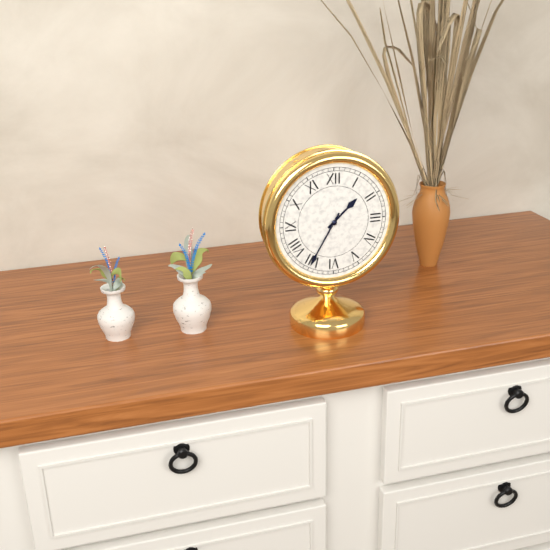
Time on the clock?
1:35
